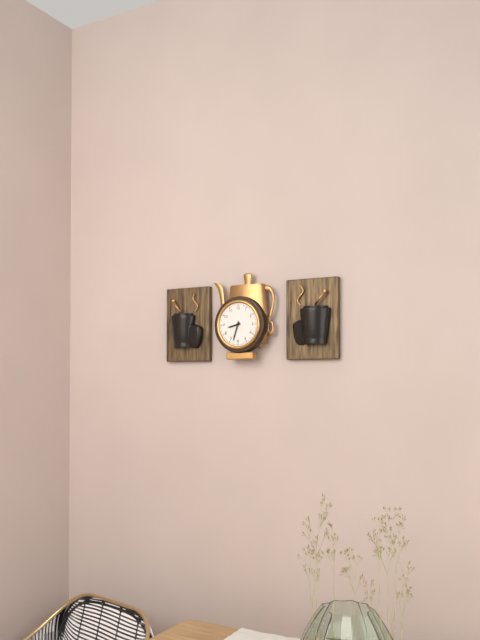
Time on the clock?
8:33
